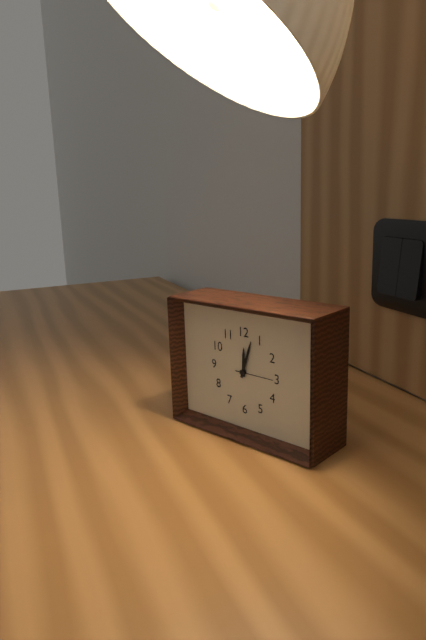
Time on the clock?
12:03
